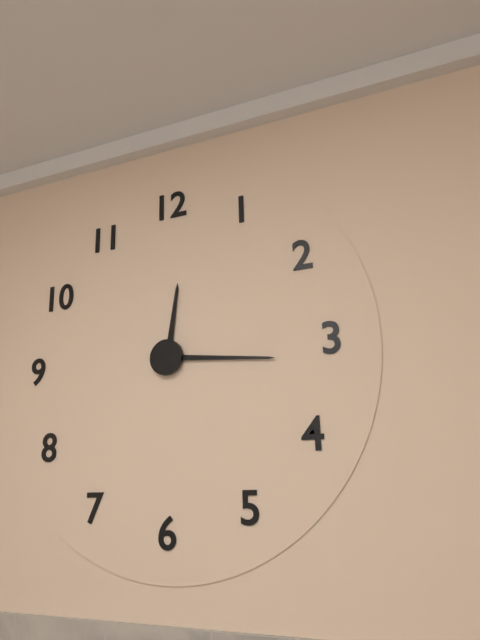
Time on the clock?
12:16
